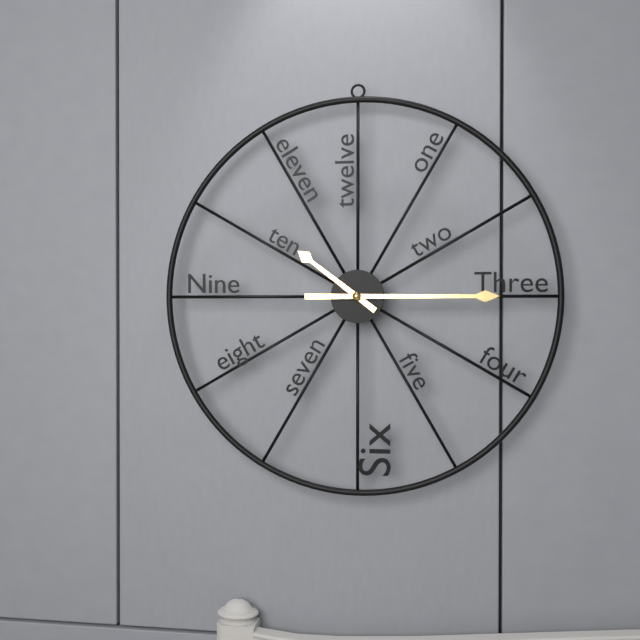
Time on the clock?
10:15
